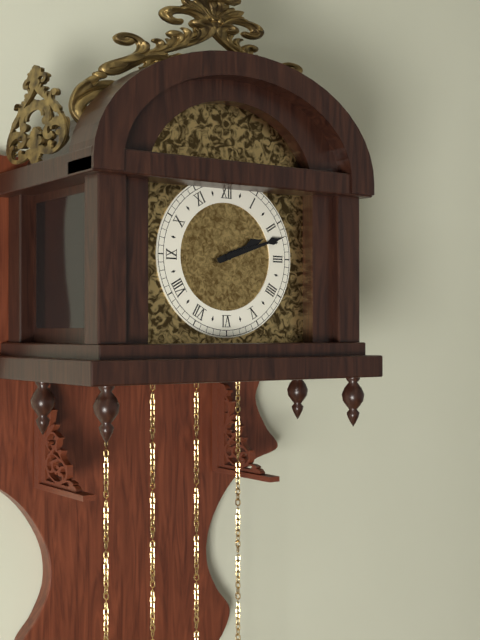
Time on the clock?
2:12
